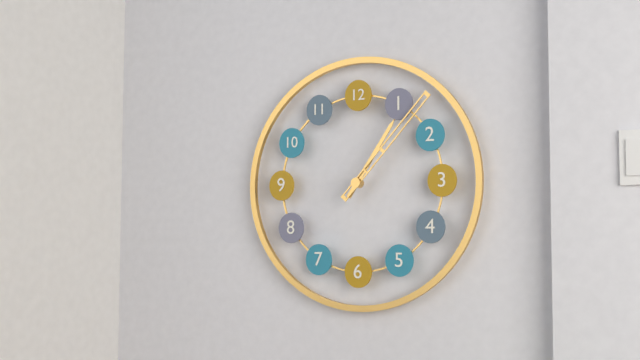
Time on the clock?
1:07
